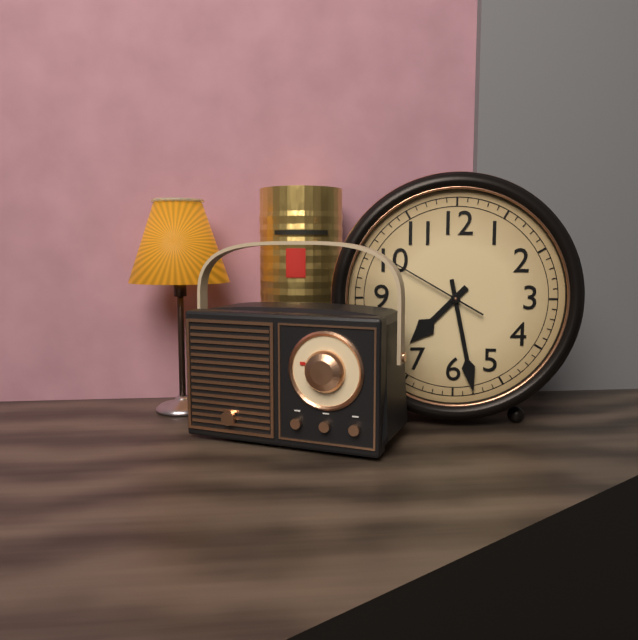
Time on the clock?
7:28:50
